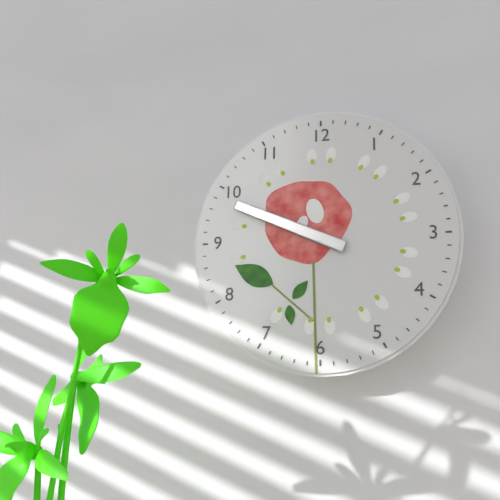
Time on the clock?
9:49
